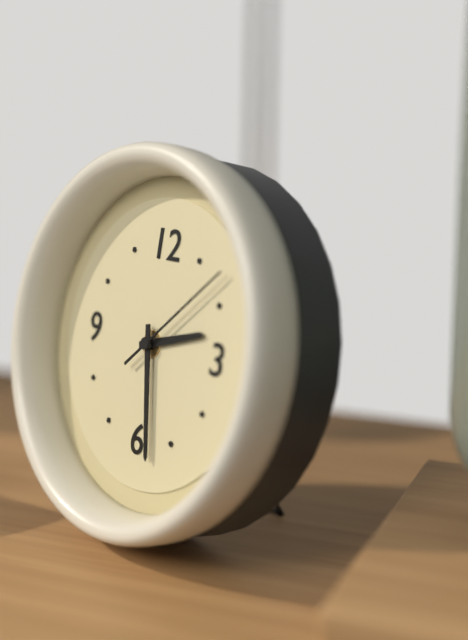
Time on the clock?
2:28:08
